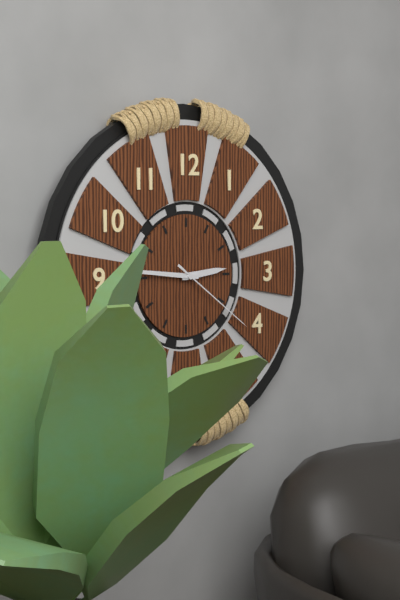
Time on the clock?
2:46:21
